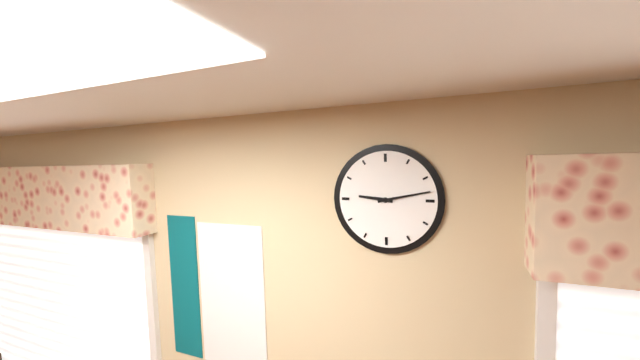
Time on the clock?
9:13
